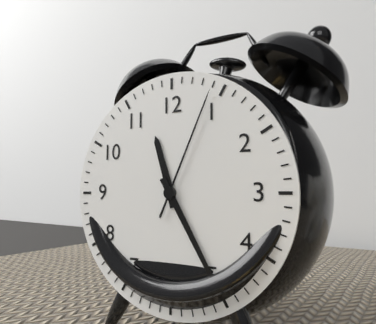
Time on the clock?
11:25:04
